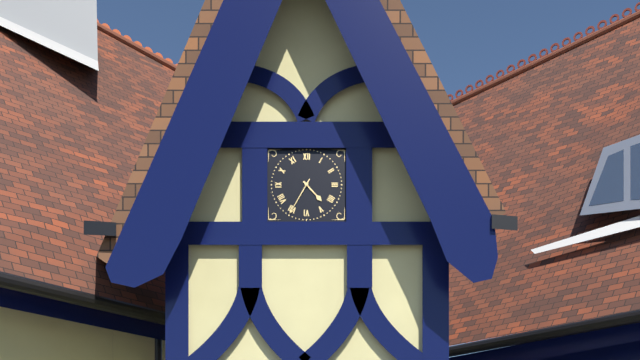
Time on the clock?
4:35
